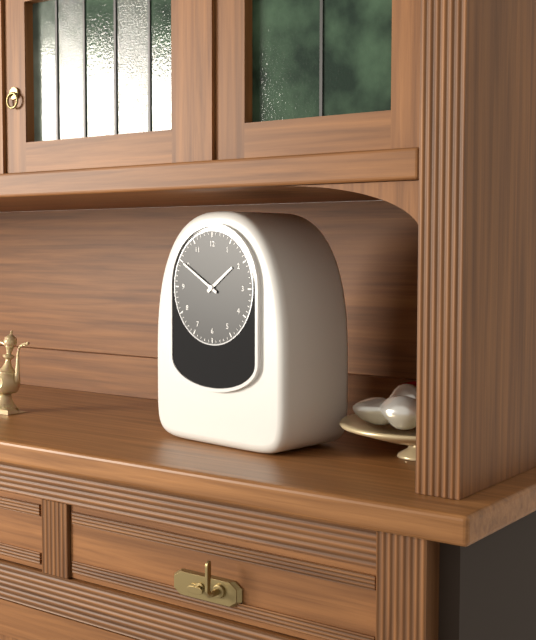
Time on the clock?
1:50
